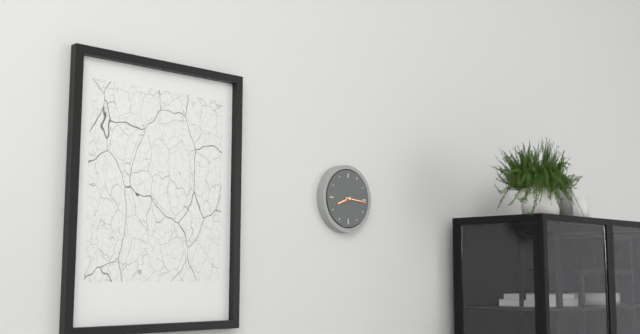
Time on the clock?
8:16
